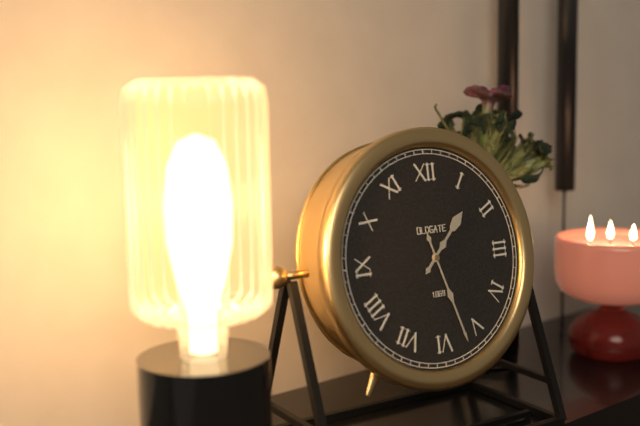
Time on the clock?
1:27
